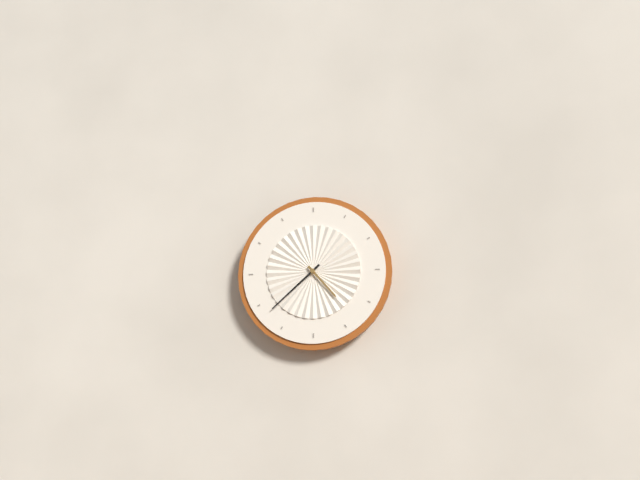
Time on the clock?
4:38
